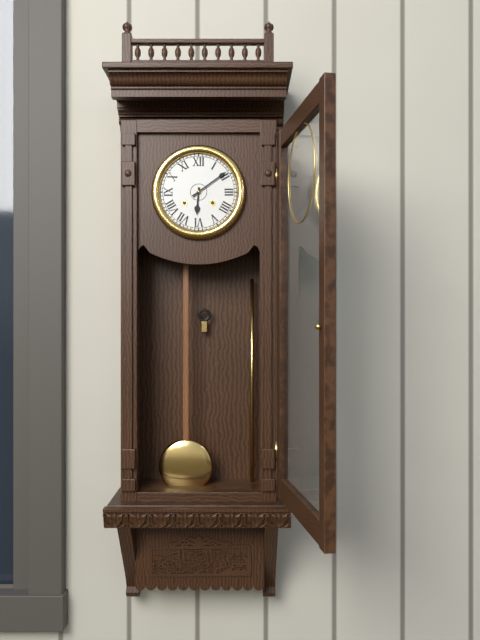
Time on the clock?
6:09
